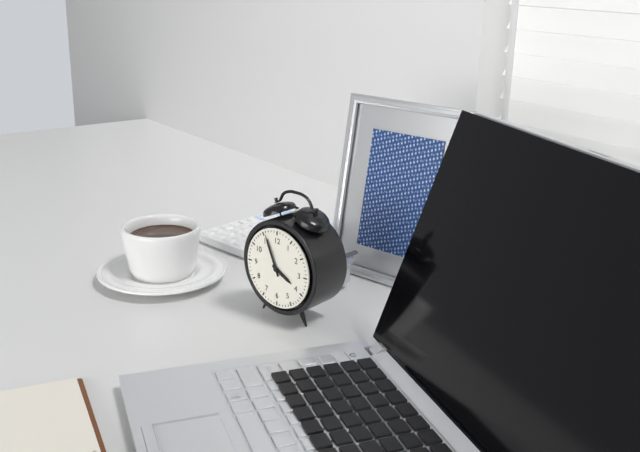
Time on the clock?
3:56
